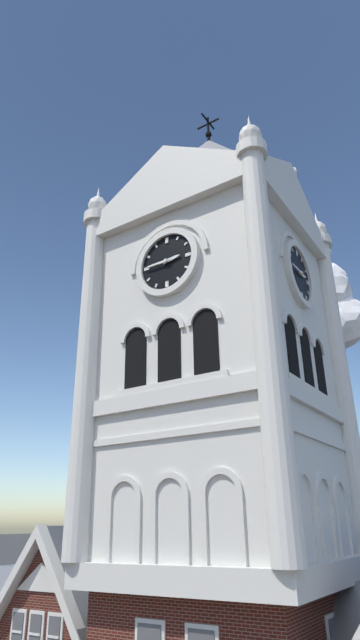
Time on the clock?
2:45
